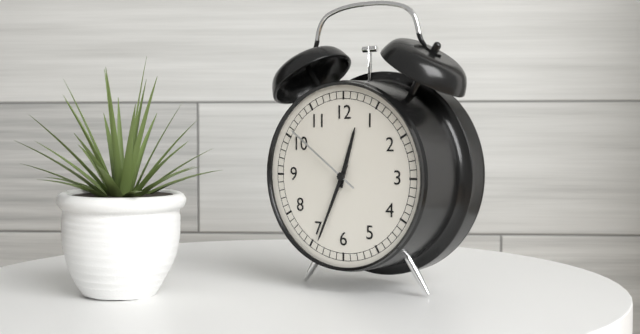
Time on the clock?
12:34:51
